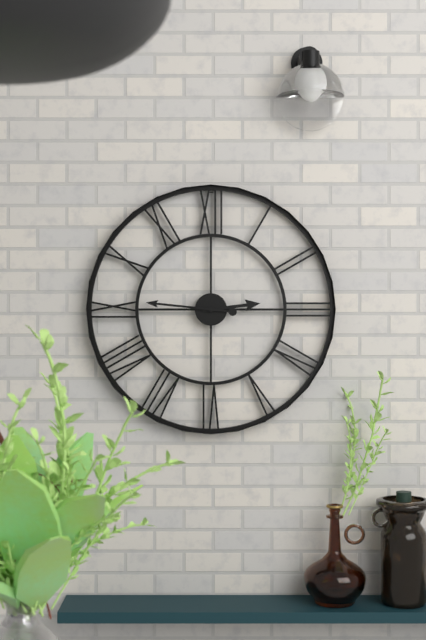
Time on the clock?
2:46
